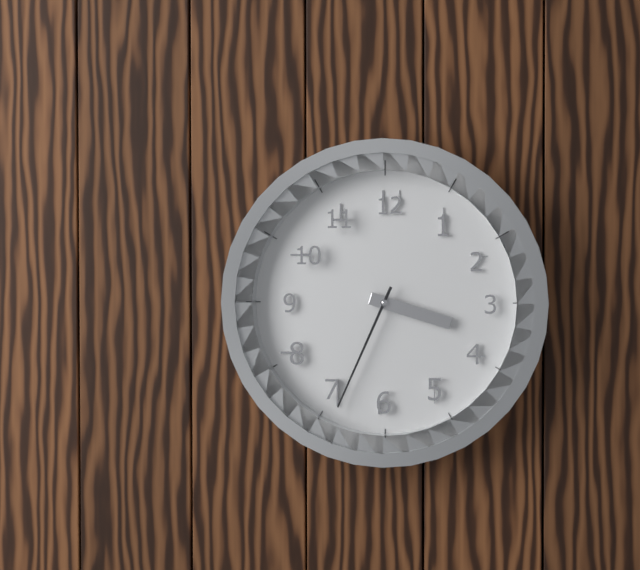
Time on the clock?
3:34
